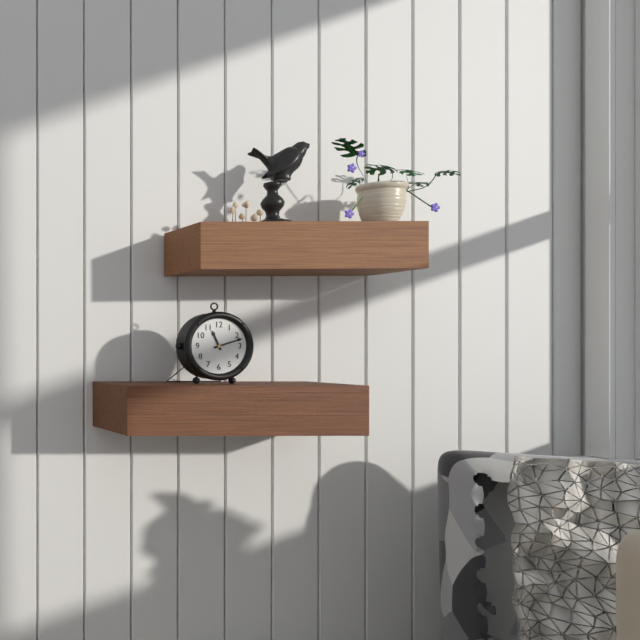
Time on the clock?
11:12
